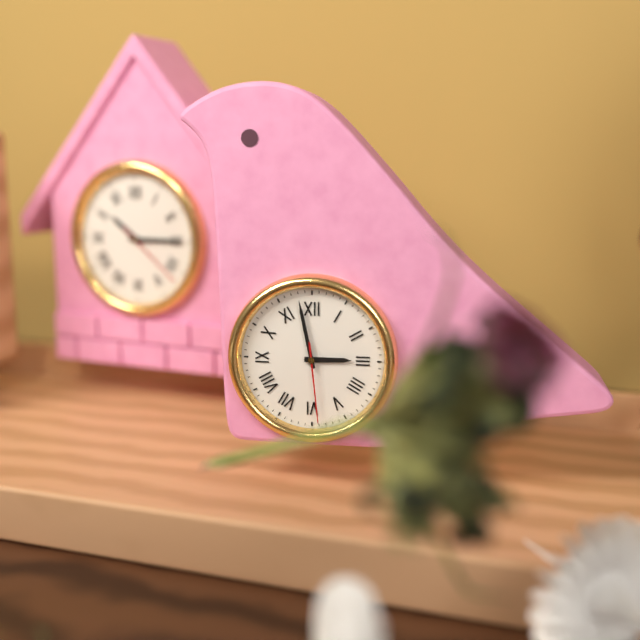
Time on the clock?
2:58:29
